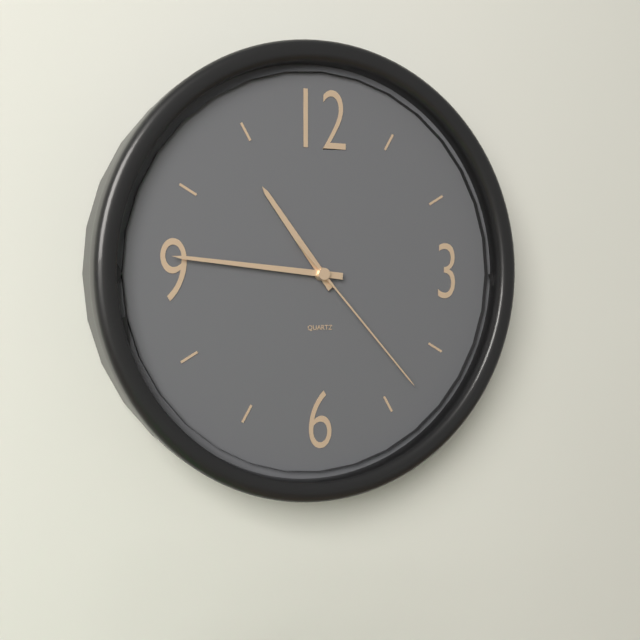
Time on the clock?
10:46:23
